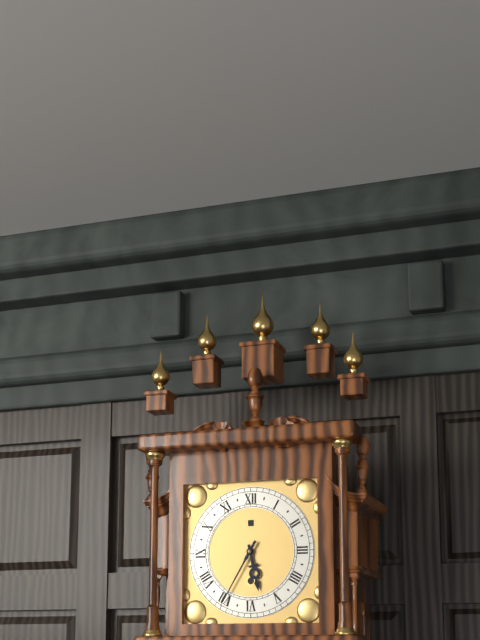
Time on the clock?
5:35
